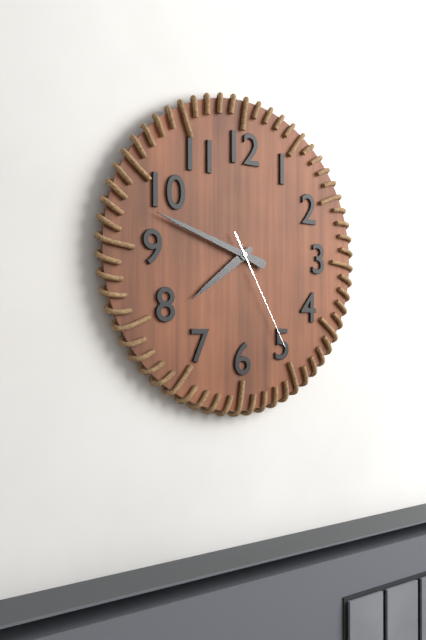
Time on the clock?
7:48:25
